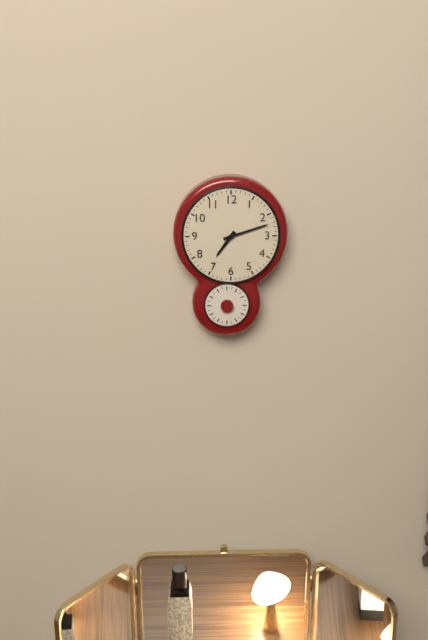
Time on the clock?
7:12
